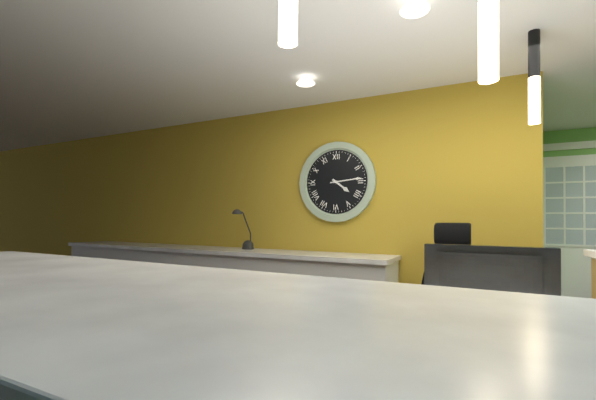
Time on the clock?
4:14
